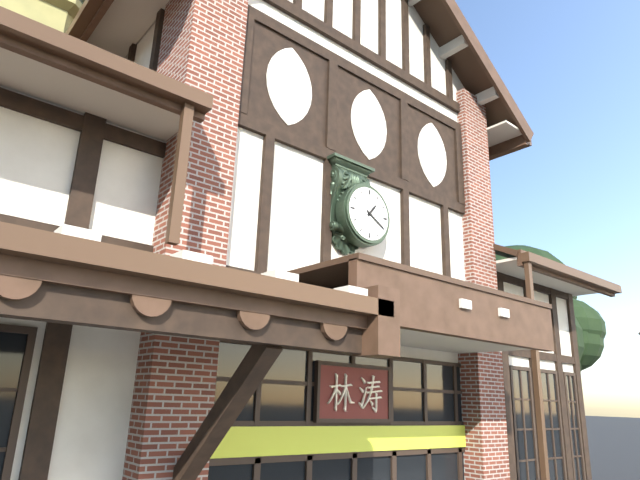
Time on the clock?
1:20
